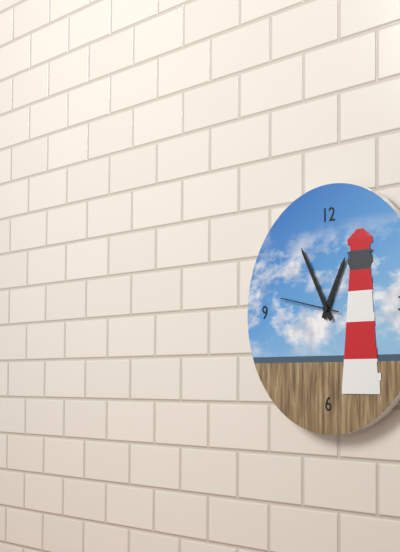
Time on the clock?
12:55:47
